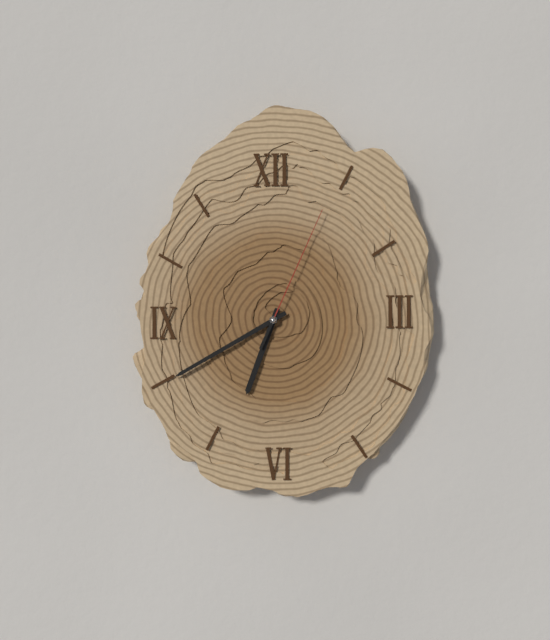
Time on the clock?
6:40:04
